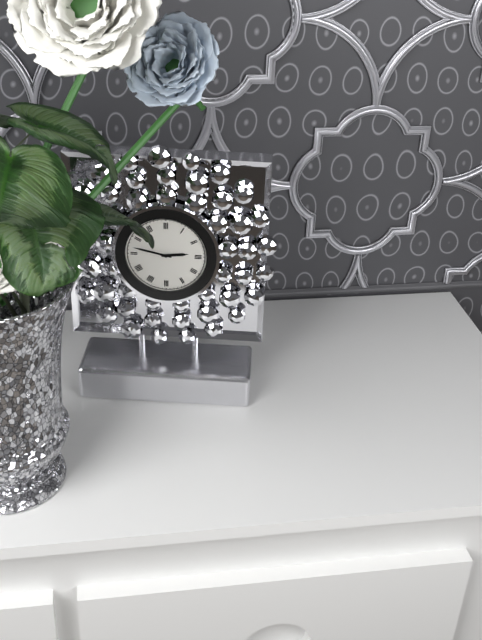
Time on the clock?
2:47
